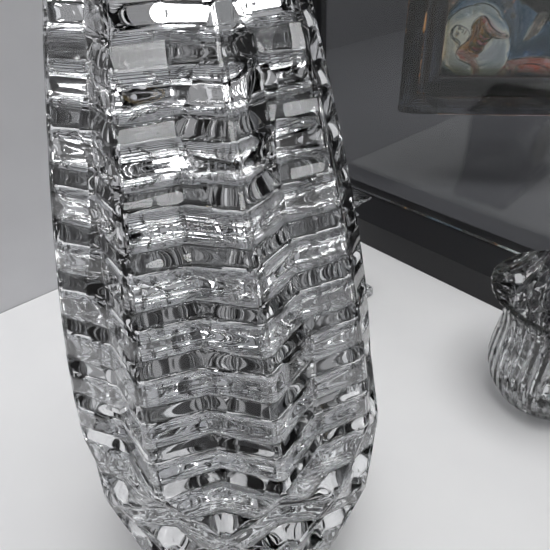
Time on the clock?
7:35
